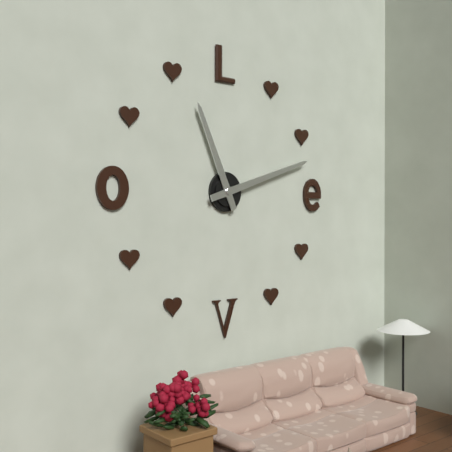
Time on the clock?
11:12
